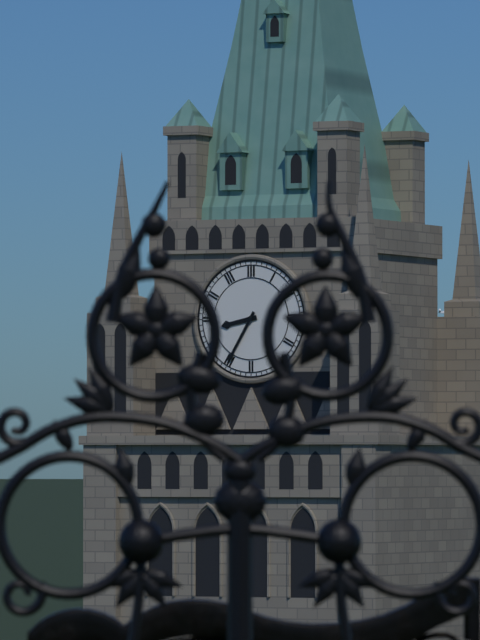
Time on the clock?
8:35
